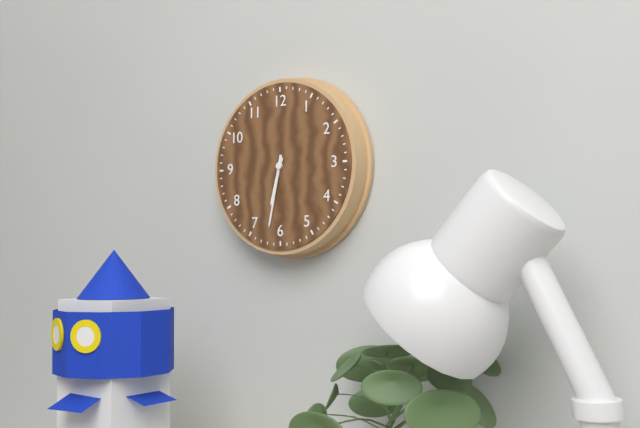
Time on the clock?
6:32
